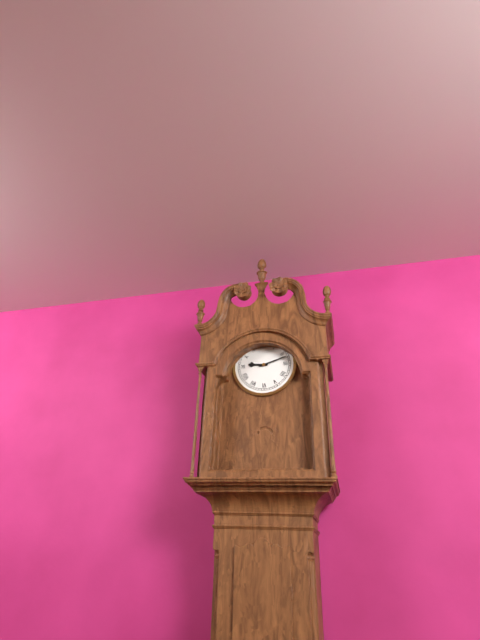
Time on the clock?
9:12
